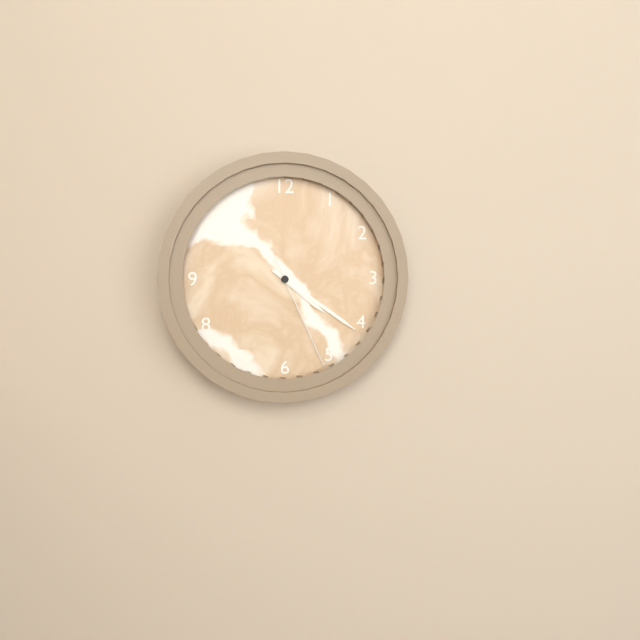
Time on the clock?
4:21:26
